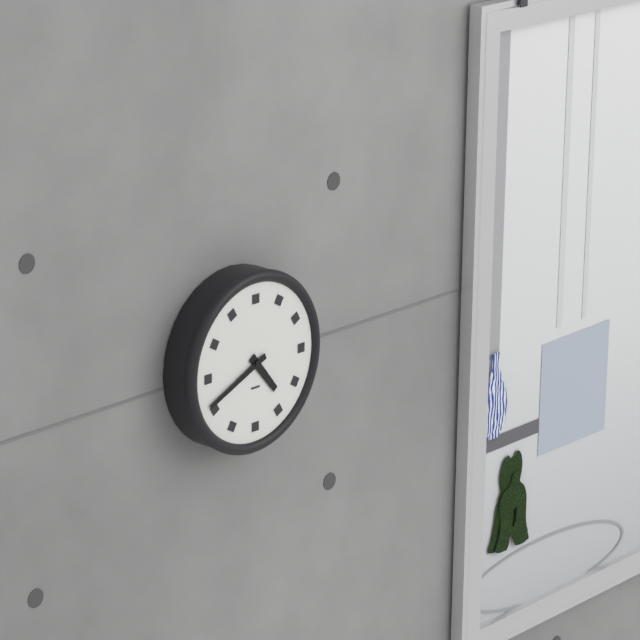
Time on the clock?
4:41
